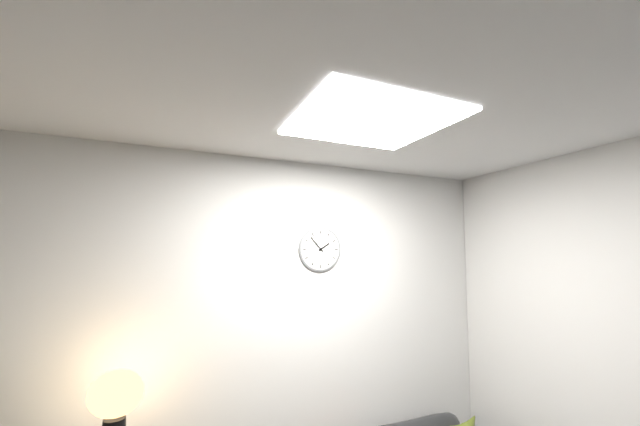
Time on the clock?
1:53
